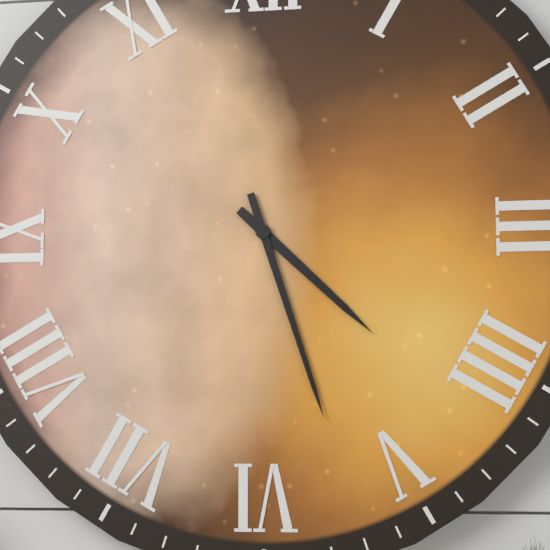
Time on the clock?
4:27
